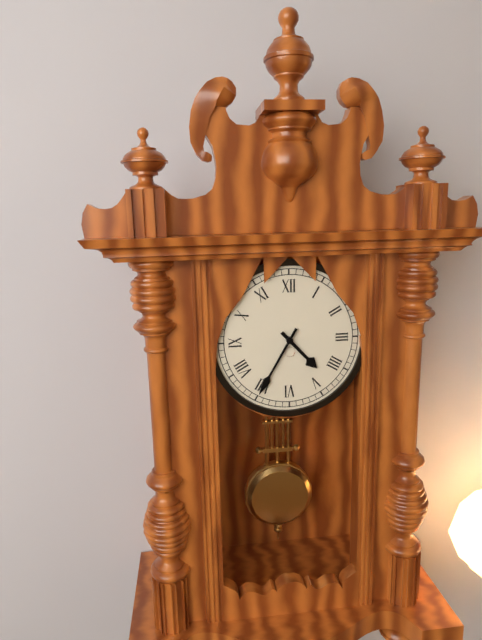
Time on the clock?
4:35
